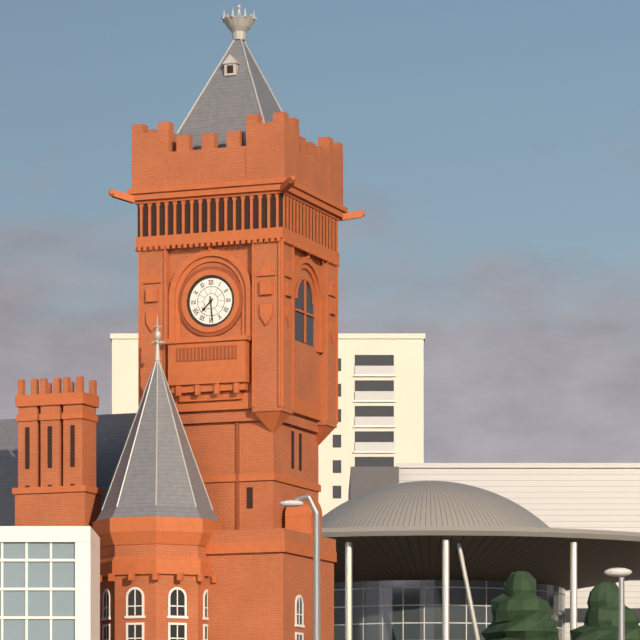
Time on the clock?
7:29
